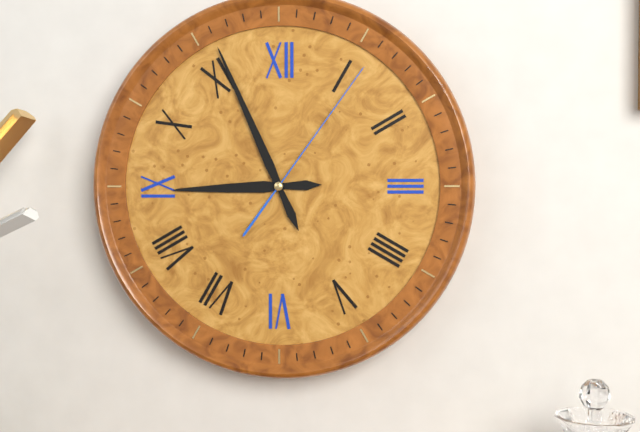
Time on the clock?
8:56:06
